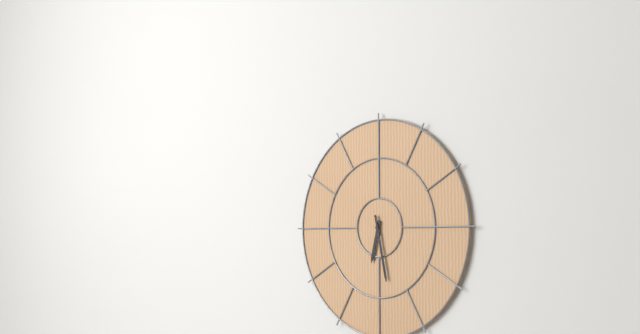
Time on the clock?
6:28
